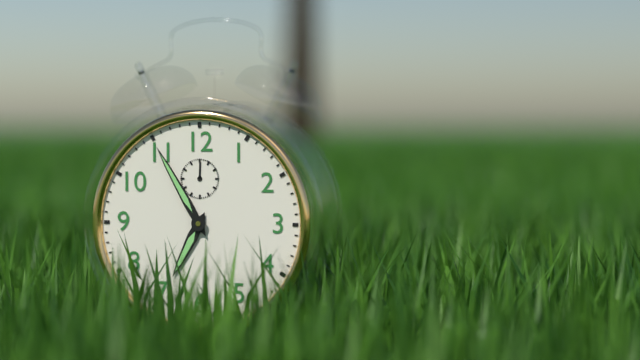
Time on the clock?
6:55
